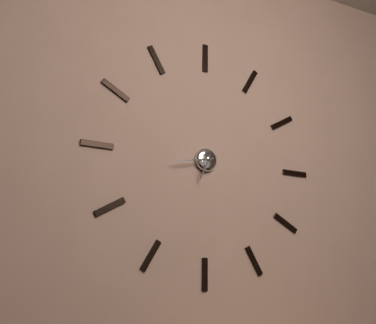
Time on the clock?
6:43
